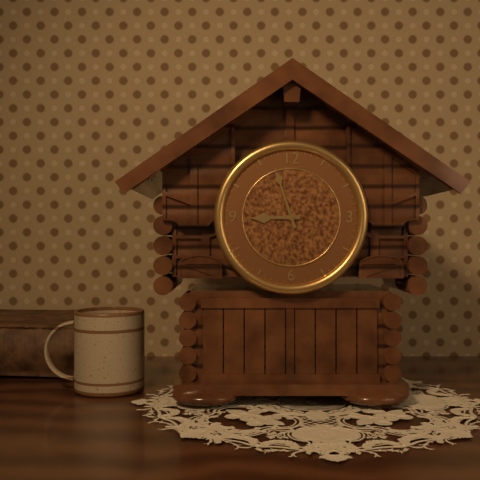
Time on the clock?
8:57
